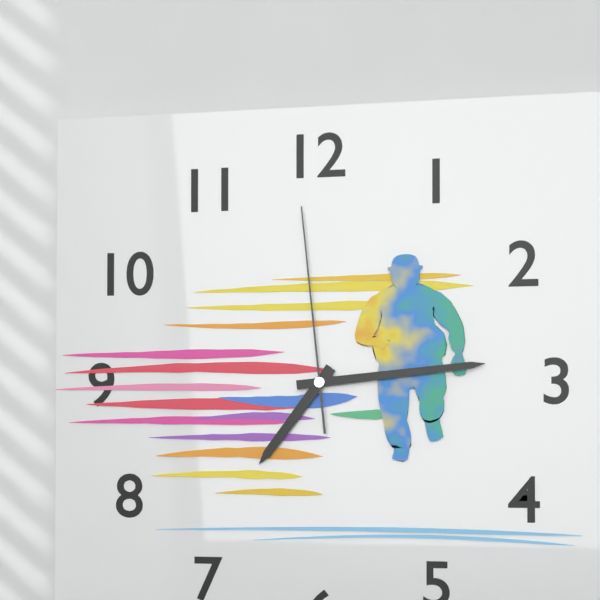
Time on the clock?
7:14:59
